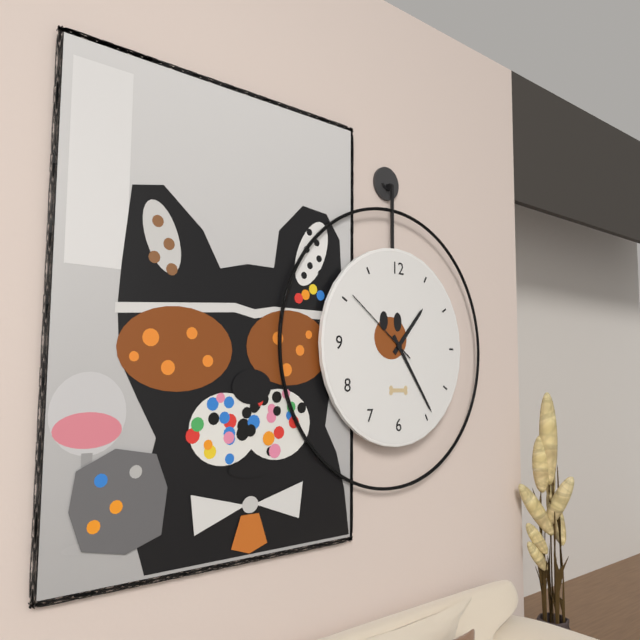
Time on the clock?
1:24:51
